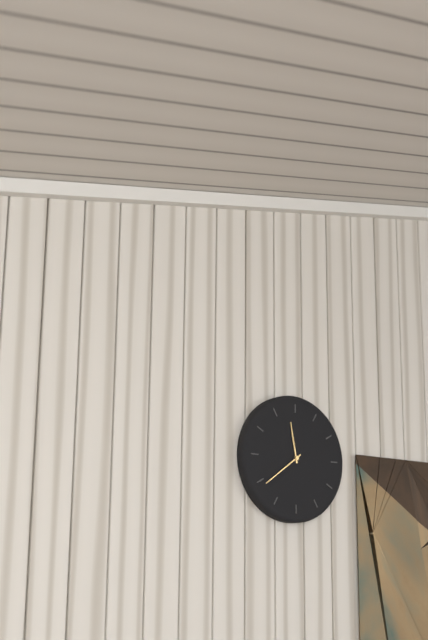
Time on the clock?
11:39
